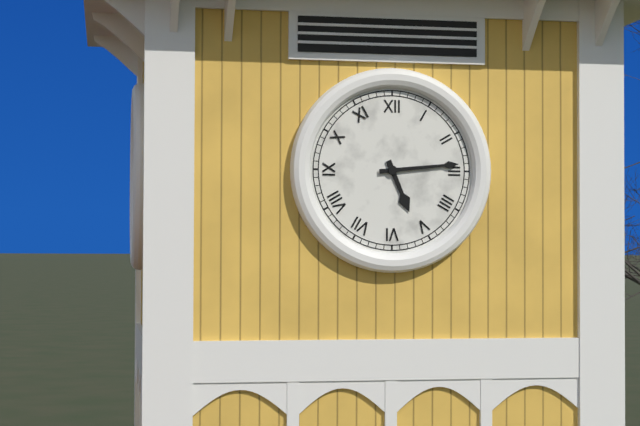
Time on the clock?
5:14
